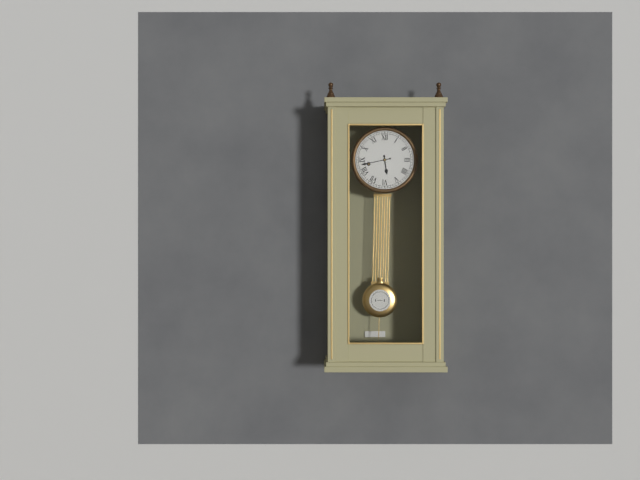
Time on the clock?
5:43
